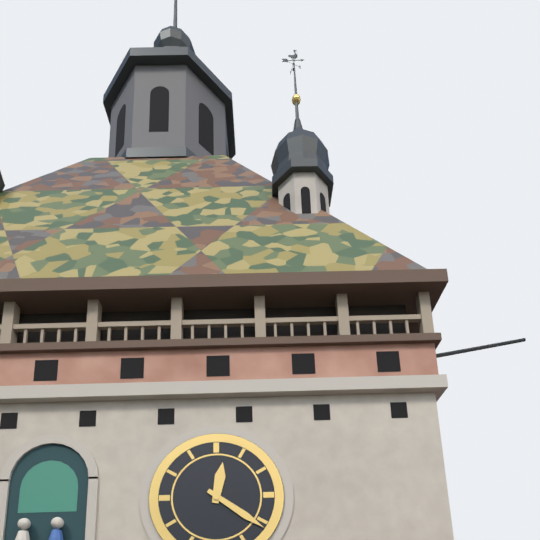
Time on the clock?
12:21
